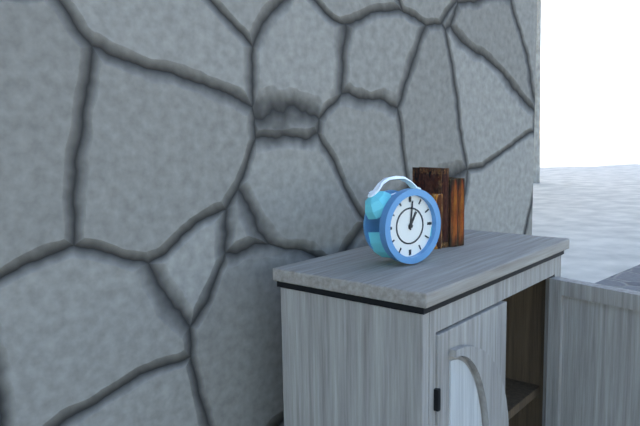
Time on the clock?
1:01
